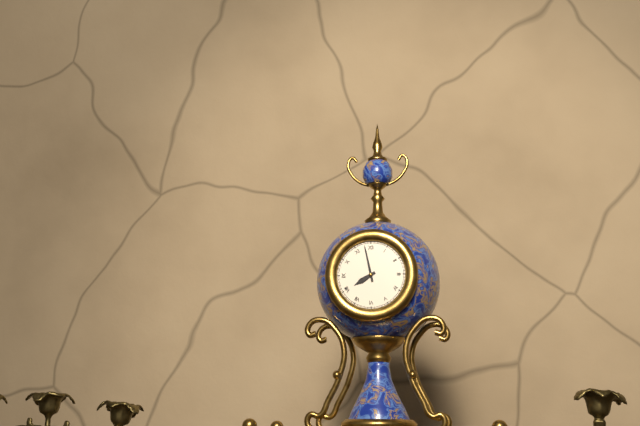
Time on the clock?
7:58
